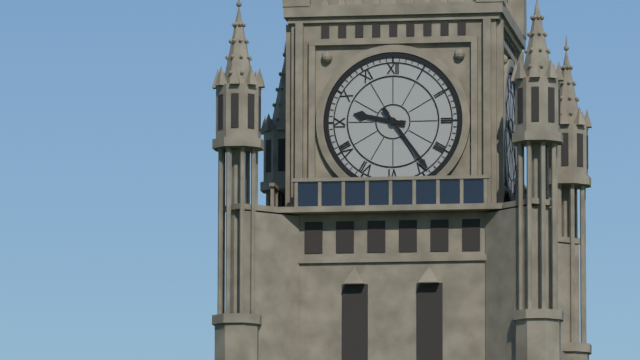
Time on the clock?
9:24
